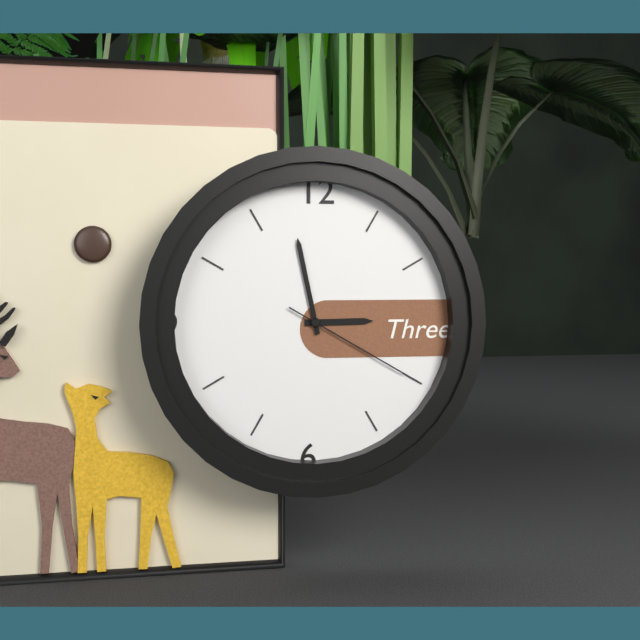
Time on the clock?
2:58:20
